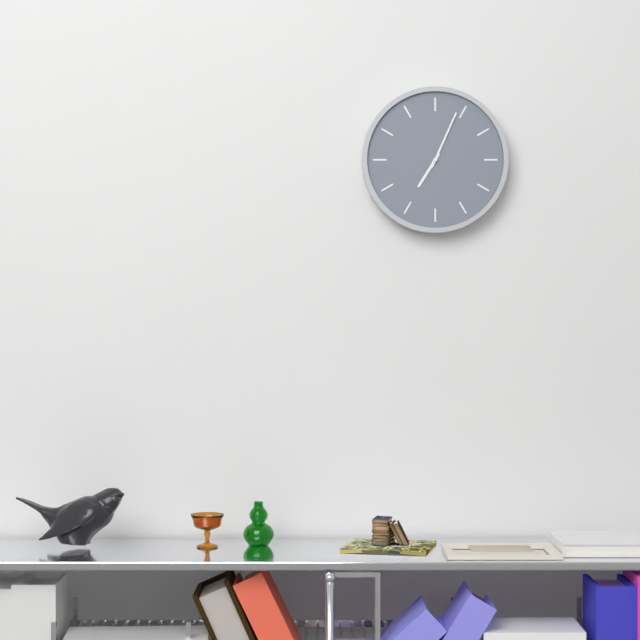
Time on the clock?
7:04
